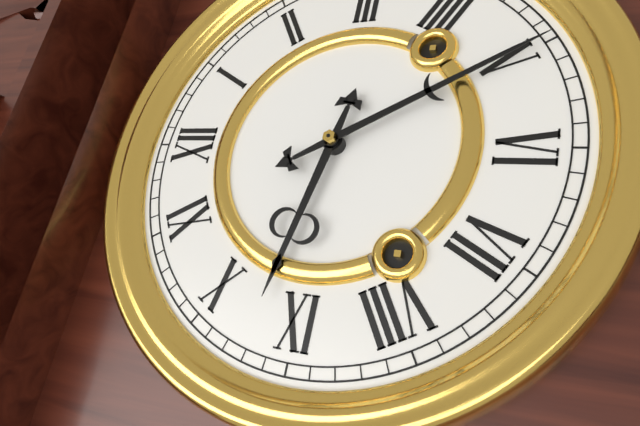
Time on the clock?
9:25
